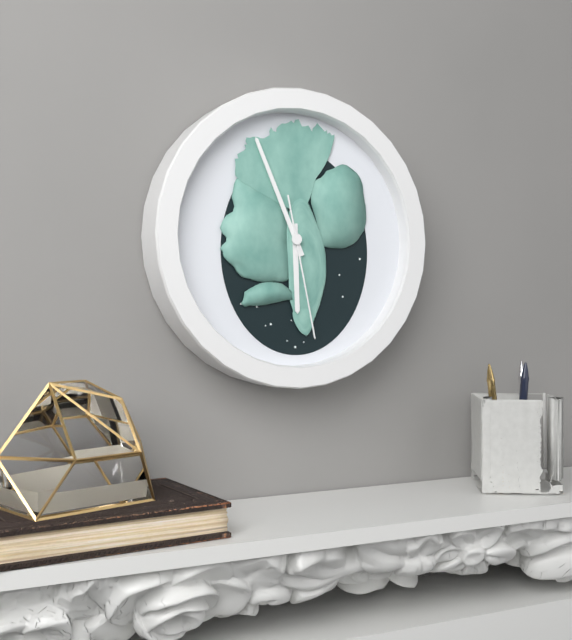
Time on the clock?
5:56:28
